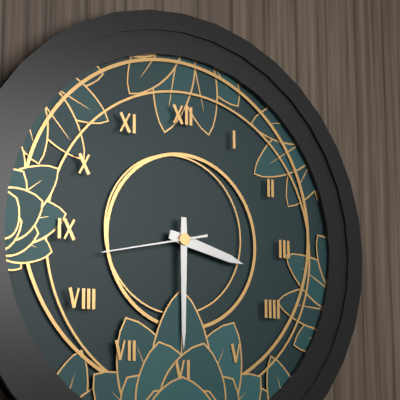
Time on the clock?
3:30:43
